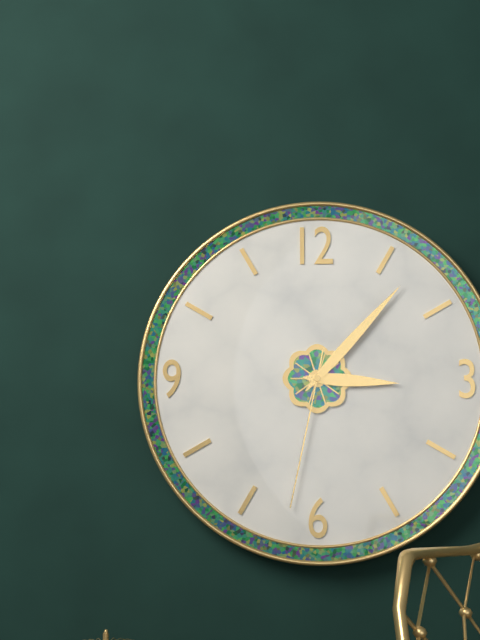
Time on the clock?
3:07:32
